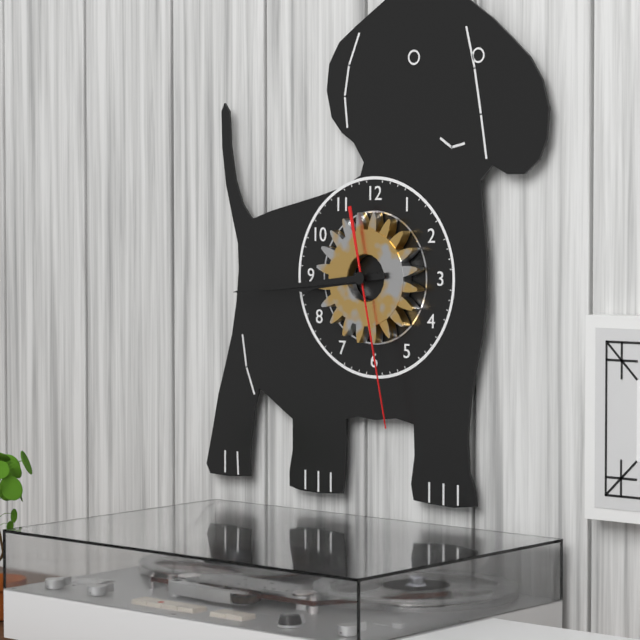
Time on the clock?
8:44:28
